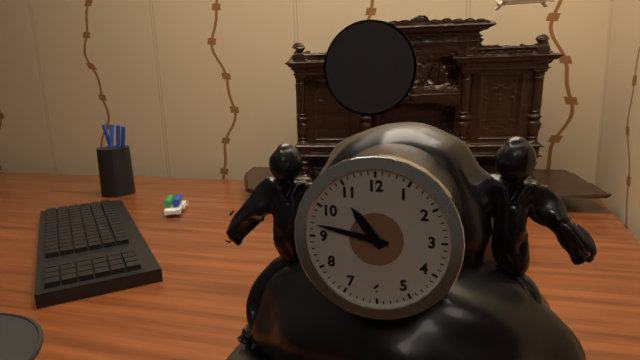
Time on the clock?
10:47
